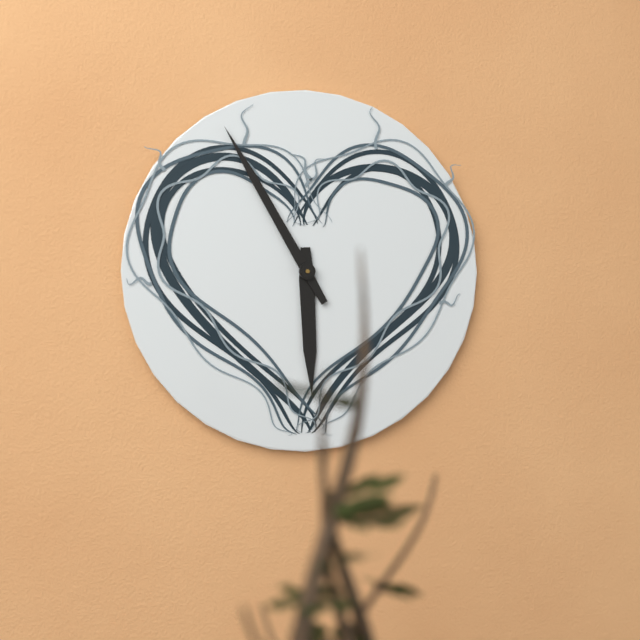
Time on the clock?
5:55
